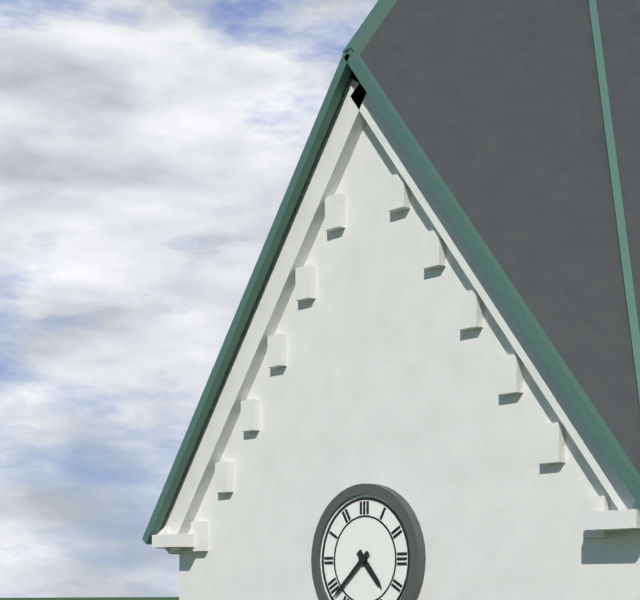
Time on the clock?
4:38
